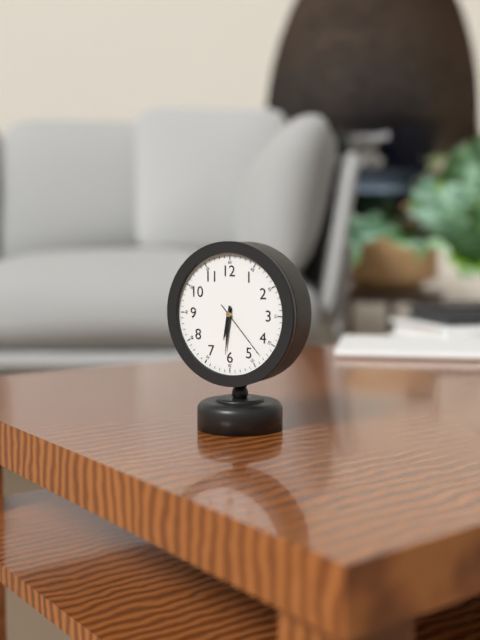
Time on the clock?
6:31:23
